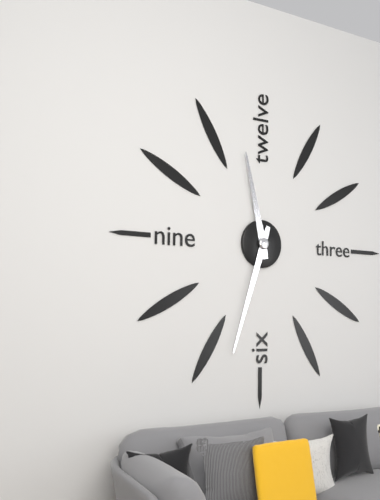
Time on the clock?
11:33
